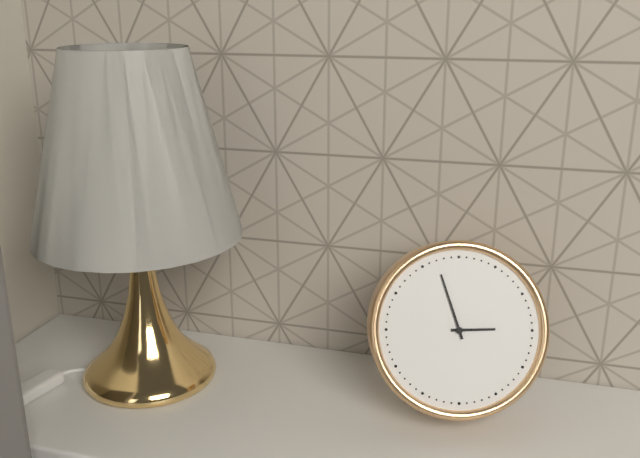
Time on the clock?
2:57
